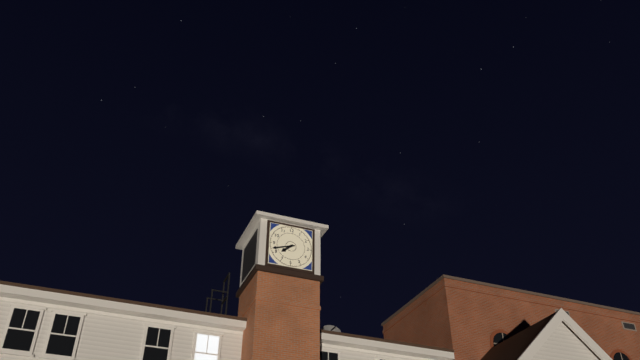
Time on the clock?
7:42
